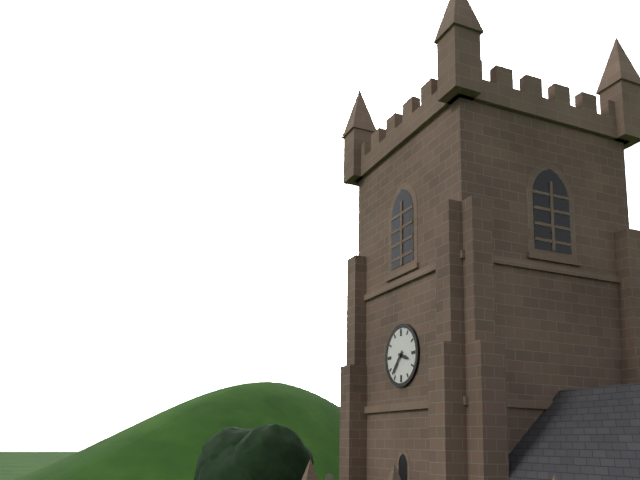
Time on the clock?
3:37
